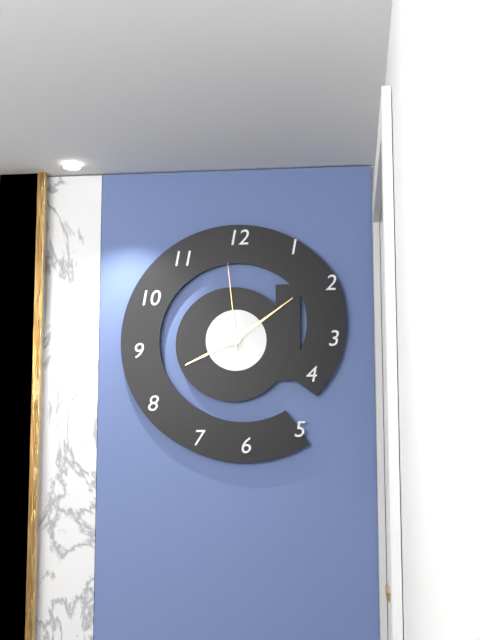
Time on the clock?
8:09:59
